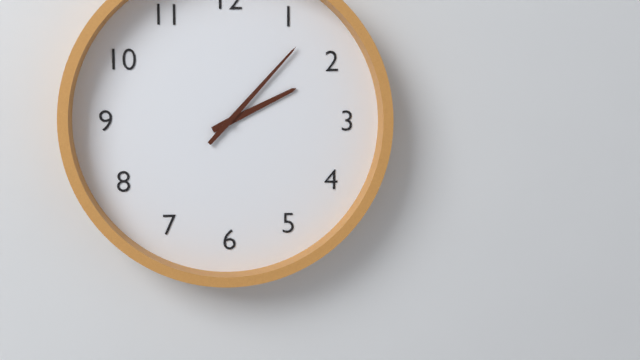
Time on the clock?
2:07
